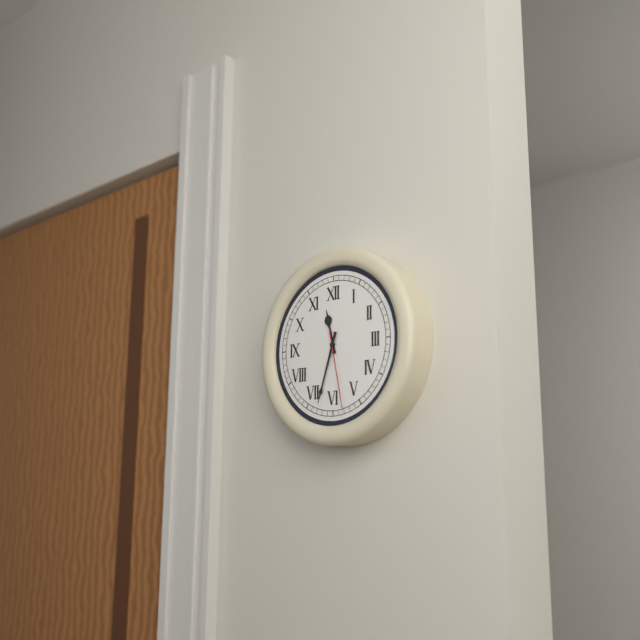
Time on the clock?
11:33:28
